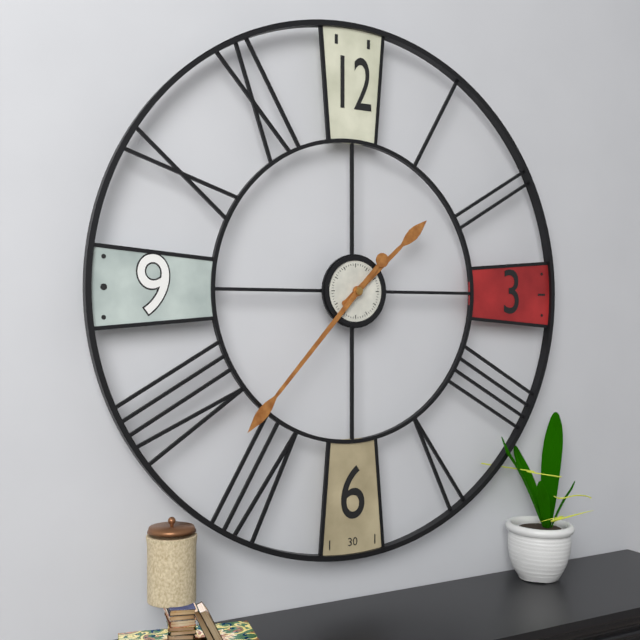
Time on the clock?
1:37
